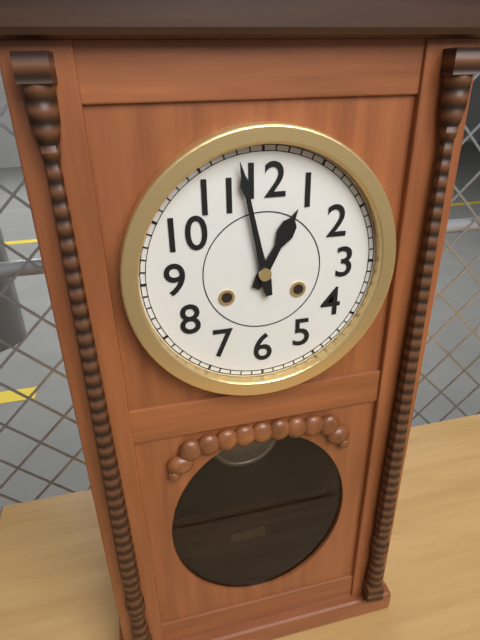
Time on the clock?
12:58
